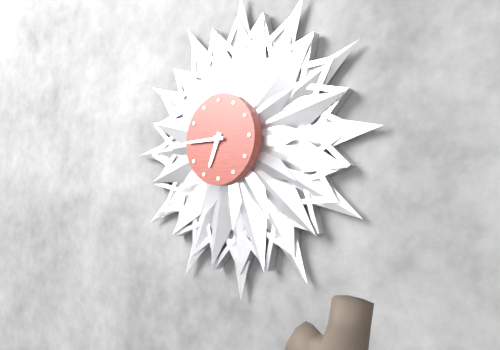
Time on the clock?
6:45
